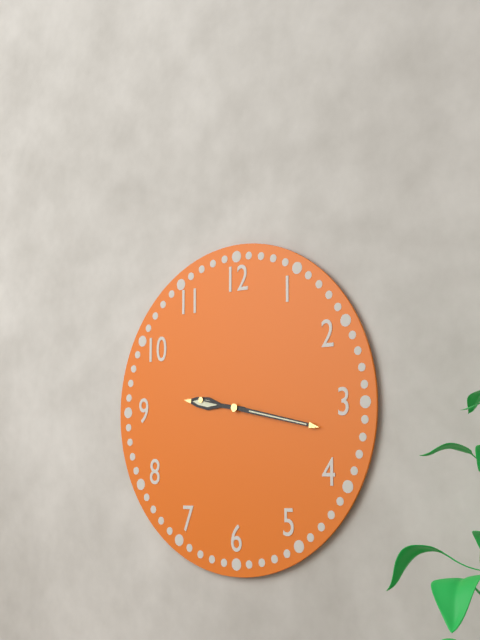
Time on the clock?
9:17
